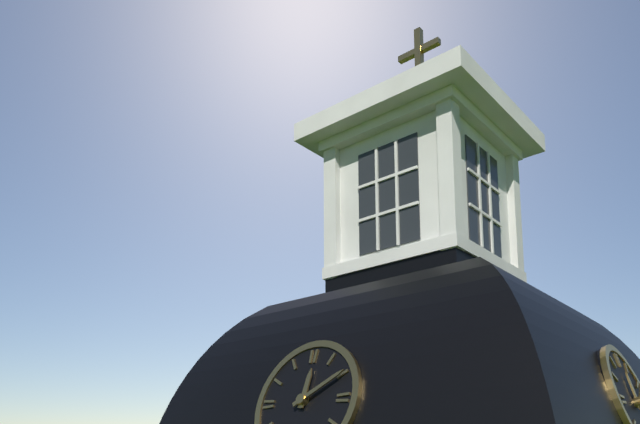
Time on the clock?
12:10
